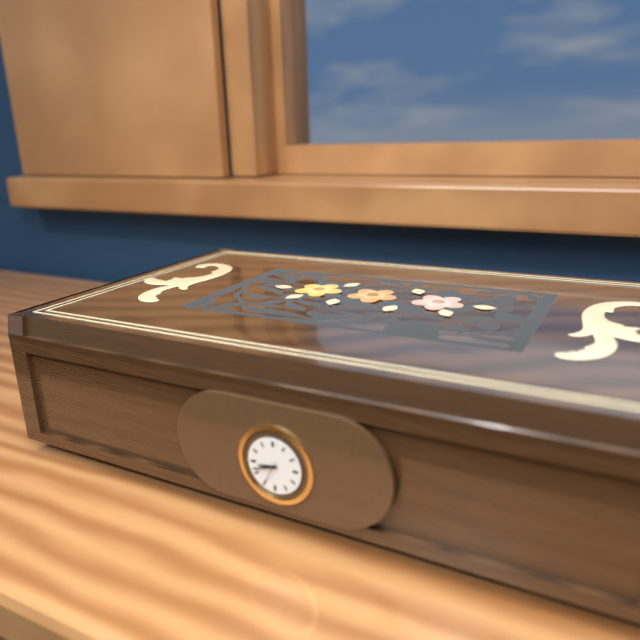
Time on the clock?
8:42:35
